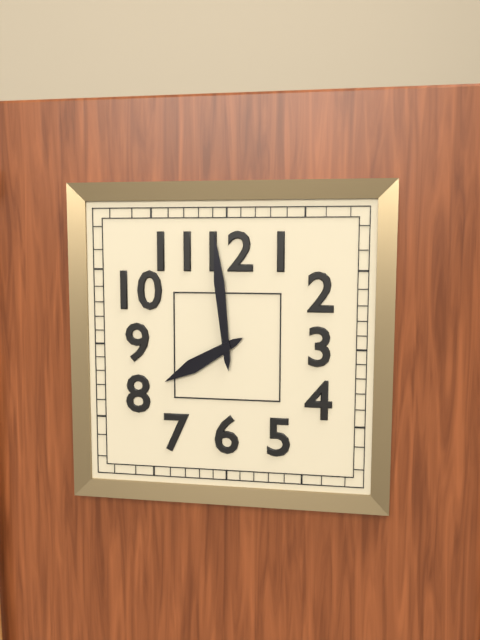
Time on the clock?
7:59
